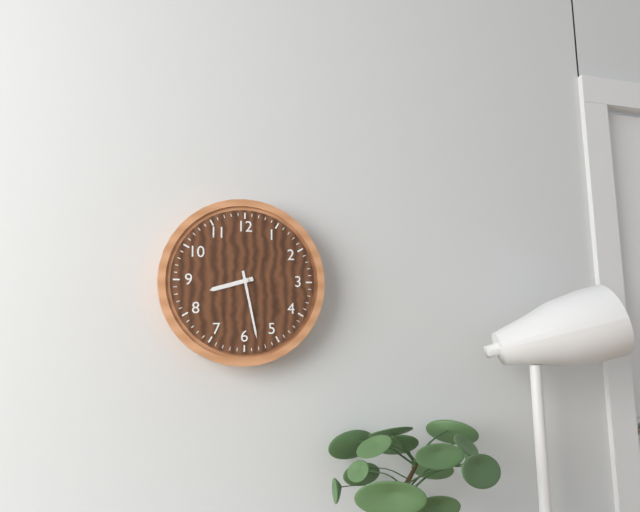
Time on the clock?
8:28
